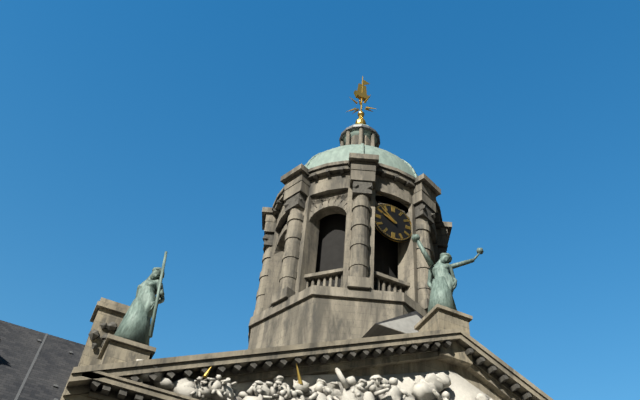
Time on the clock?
9:52
